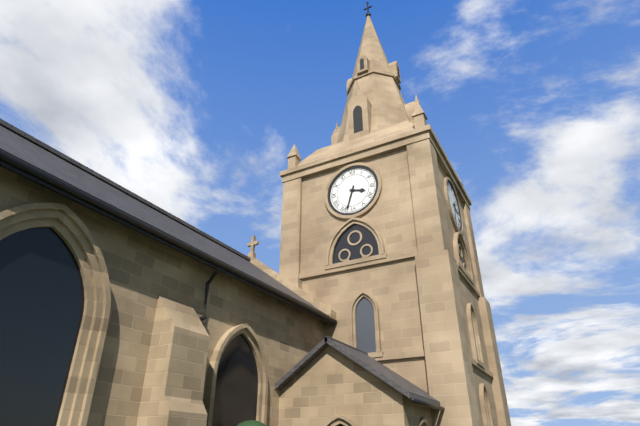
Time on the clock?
3:33
